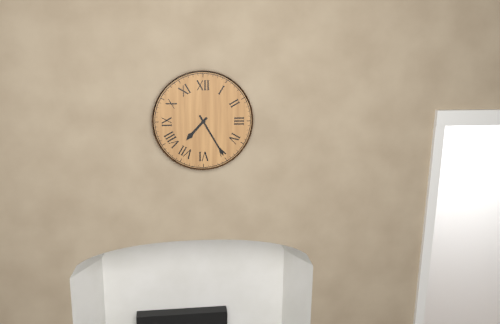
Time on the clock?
7:25
